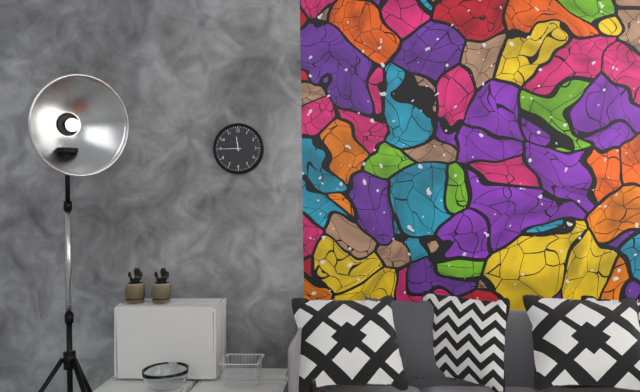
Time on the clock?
11:45
